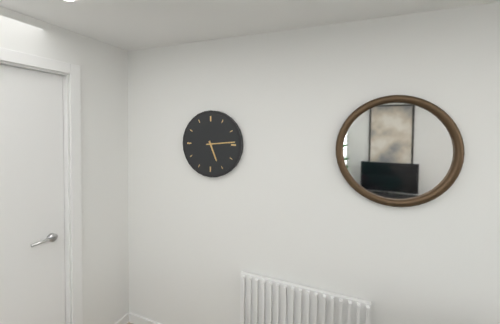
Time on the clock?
5:14
